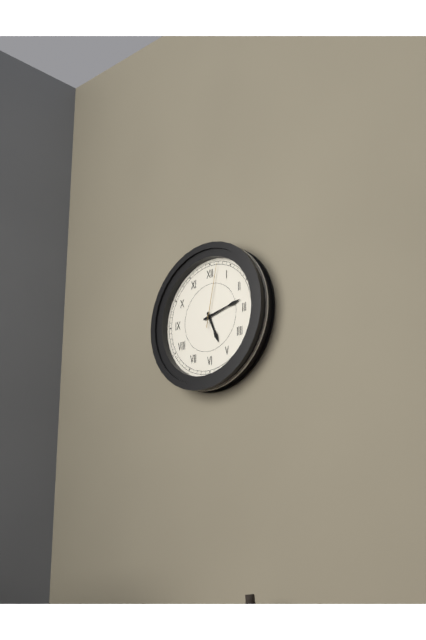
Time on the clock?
5:13:02
